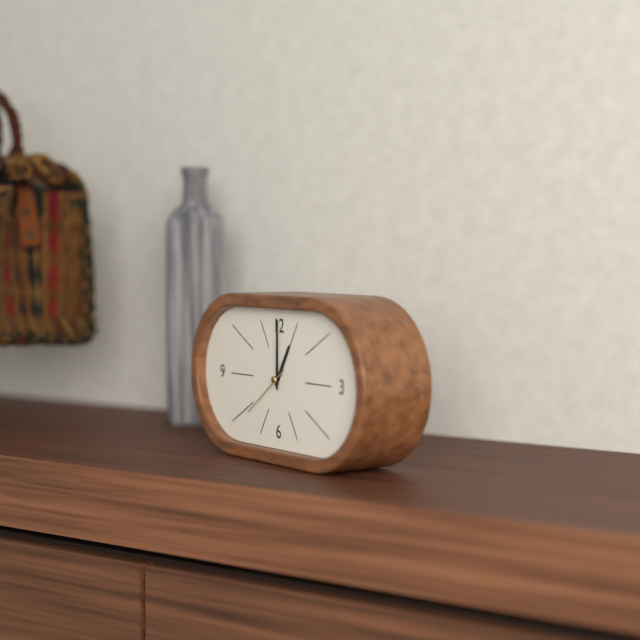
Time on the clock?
1:00:39
